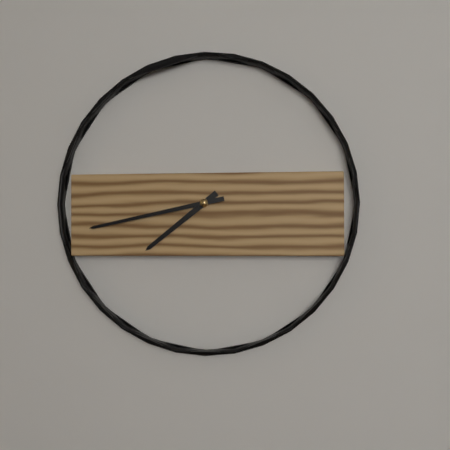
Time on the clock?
7:43
